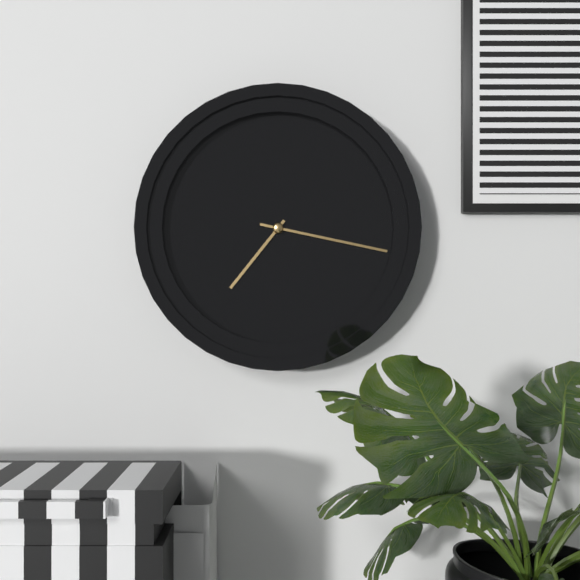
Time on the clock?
7:17
